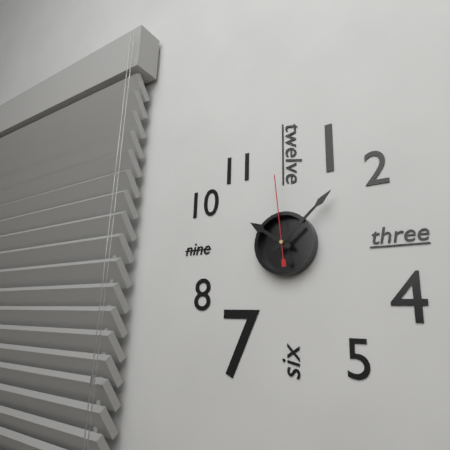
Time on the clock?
10:08:59
